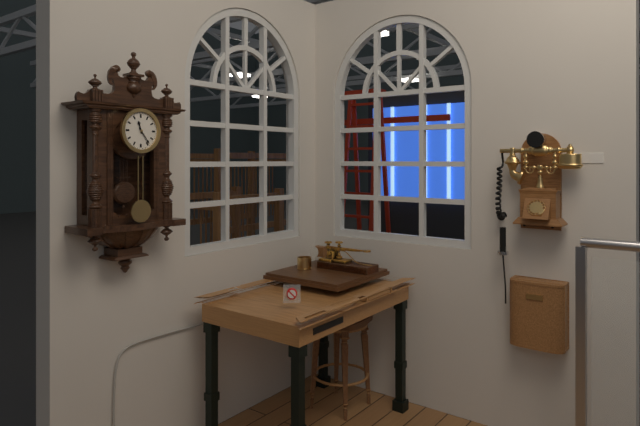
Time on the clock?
11:24
